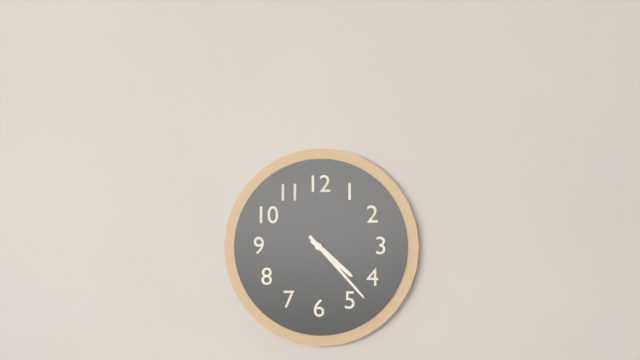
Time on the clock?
4:23
